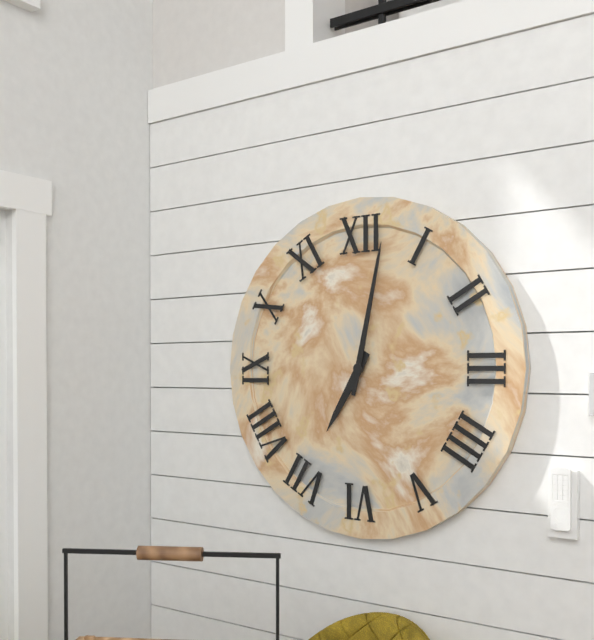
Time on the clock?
7:02
